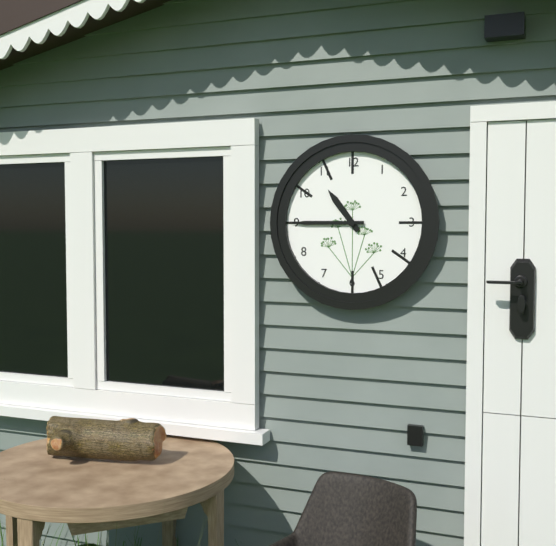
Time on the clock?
10:45
